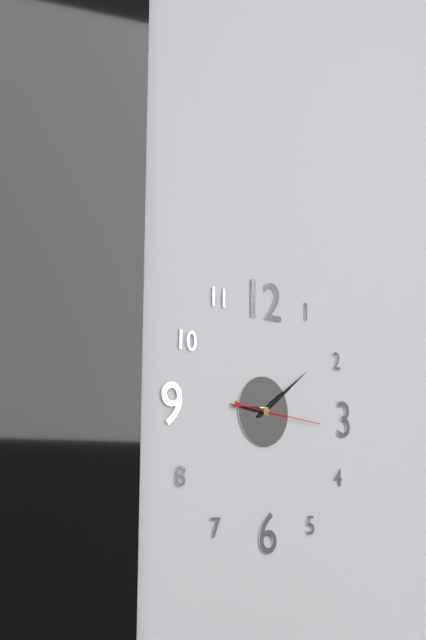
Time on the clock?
9:09:16
